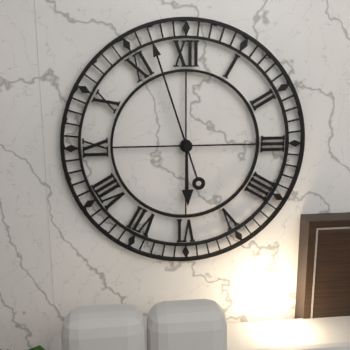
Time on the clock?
5:57
